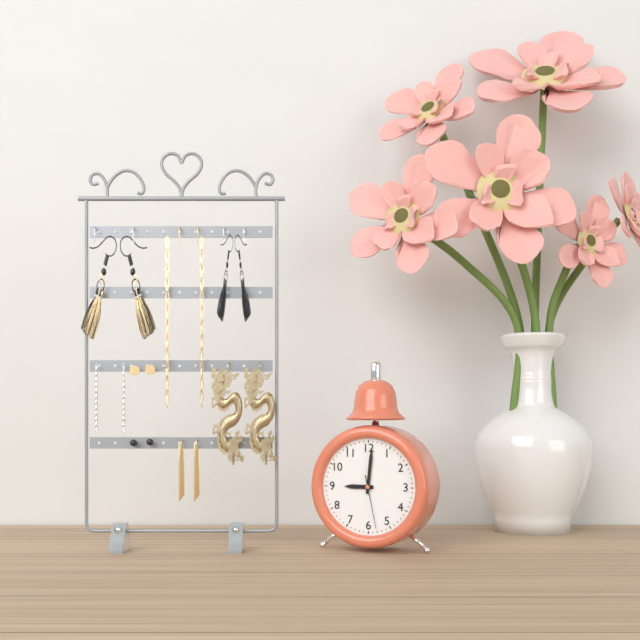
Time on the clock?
9:01:28
